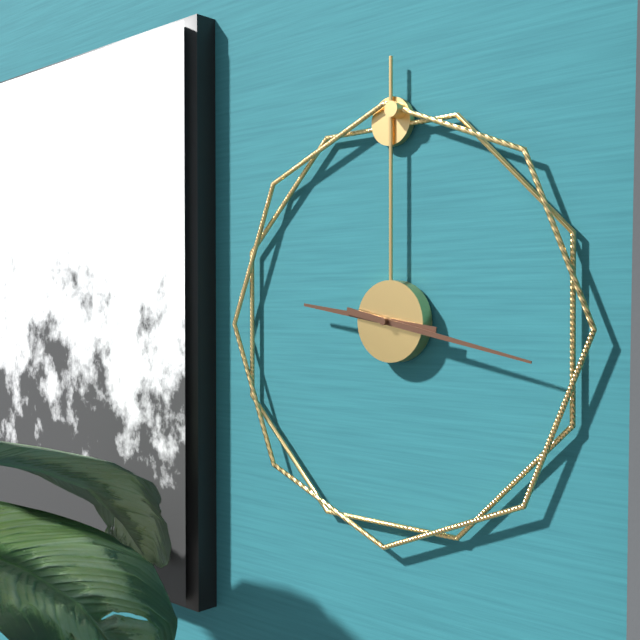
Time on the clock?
9:17
